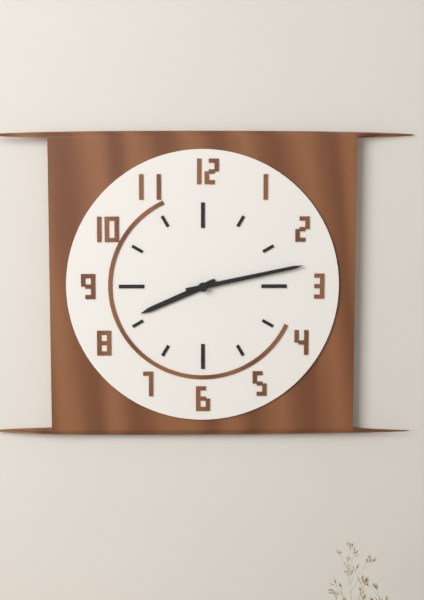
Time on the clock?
8:13
